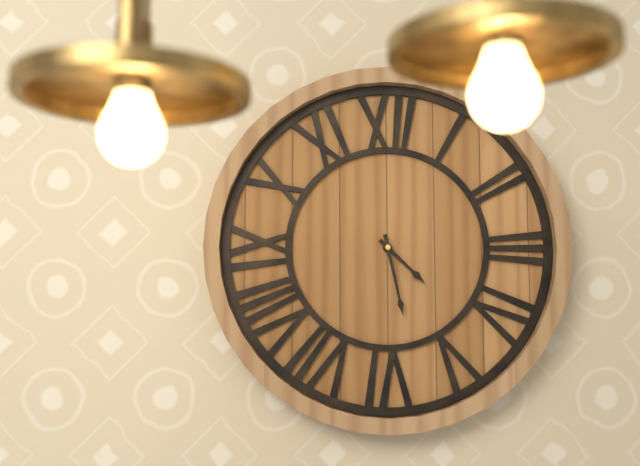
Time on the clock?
4:28
